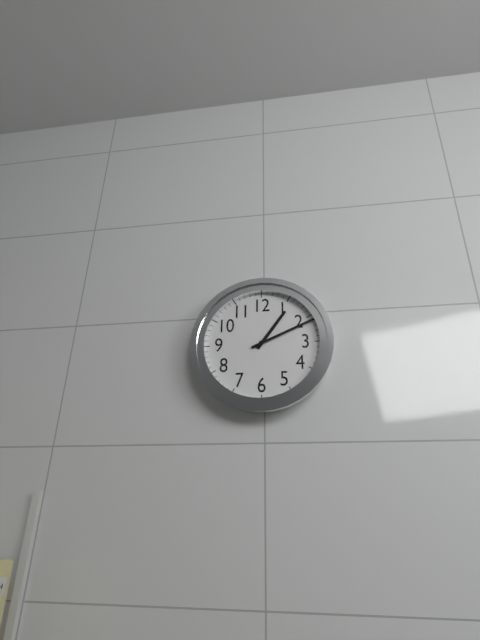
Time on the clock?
1:11
